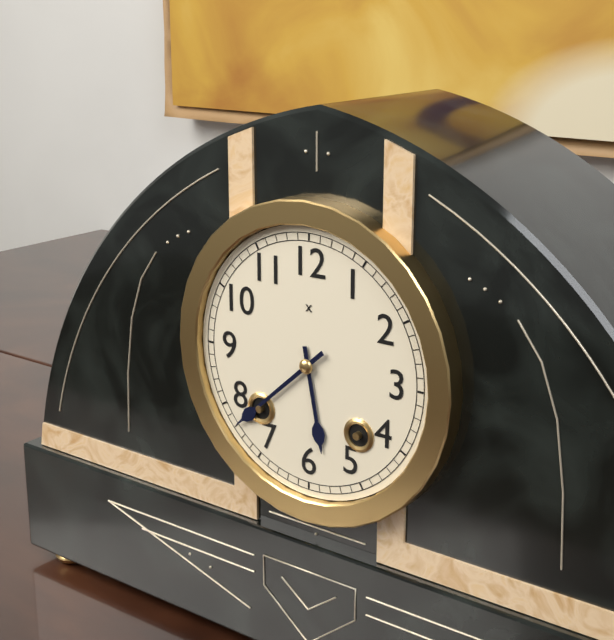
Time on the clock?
5:38
